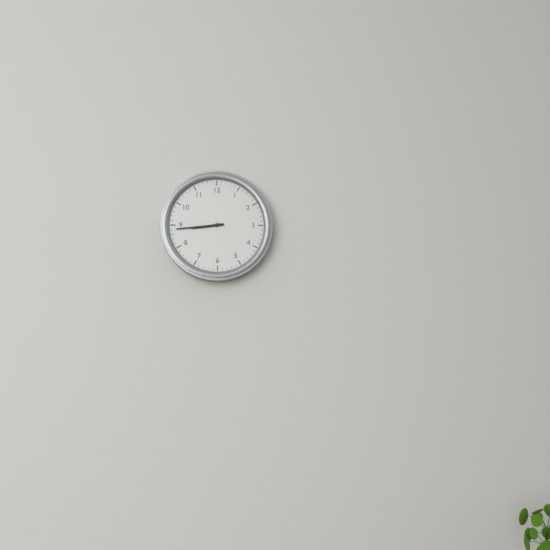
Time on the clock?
8:44
